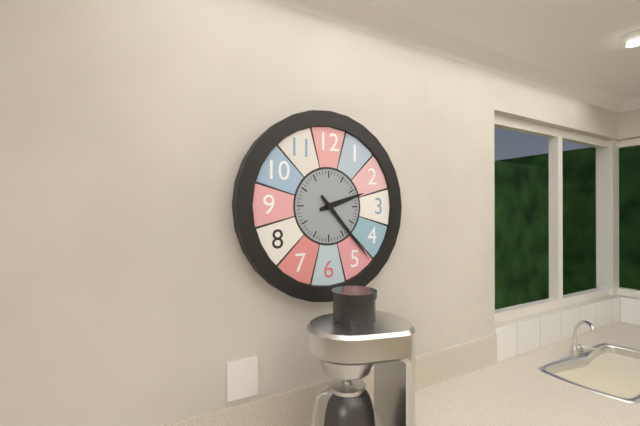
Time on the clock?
2:23
